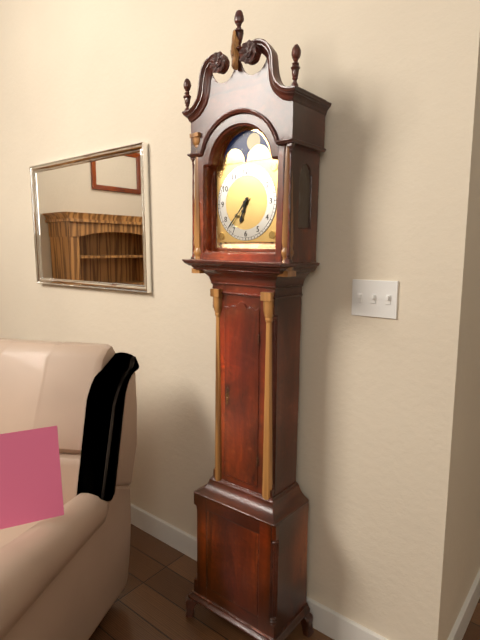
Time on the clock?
6:37
